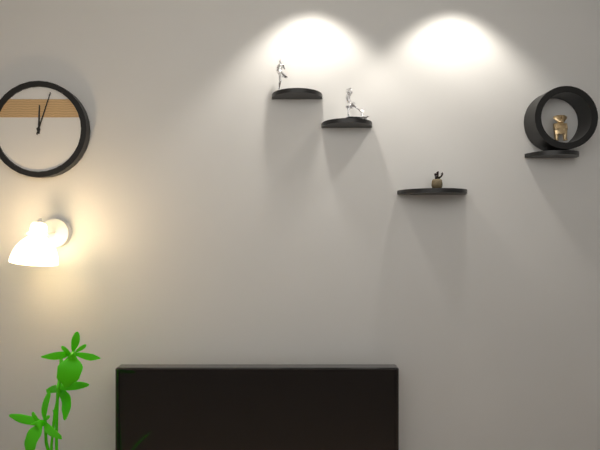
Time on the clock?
12:03
